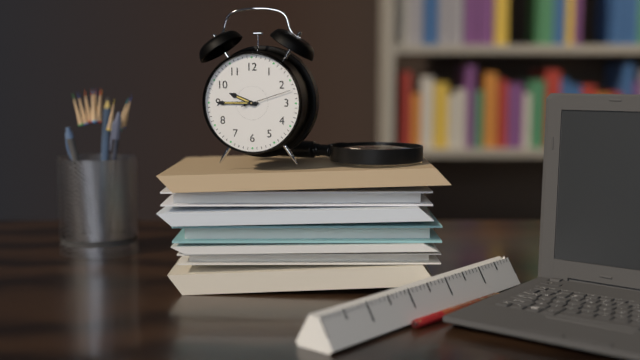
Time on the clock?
9:45:12
